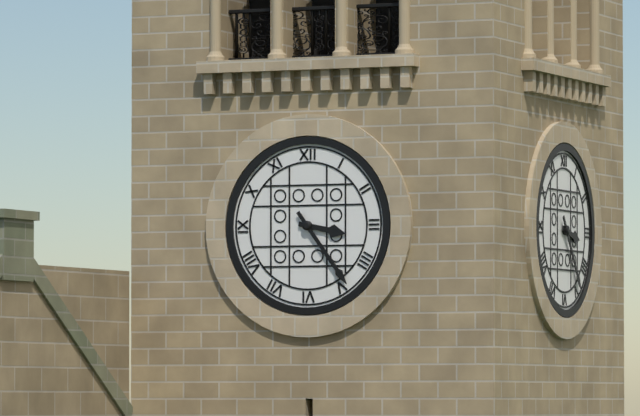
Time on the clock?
3:24
